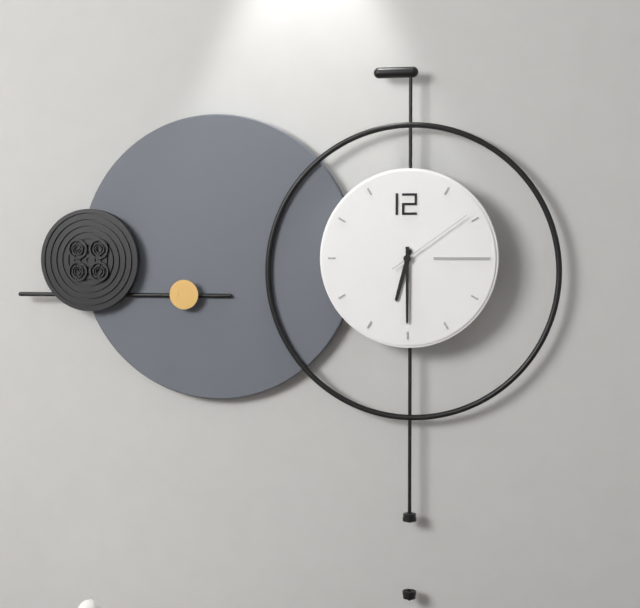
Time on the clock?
6:30:09
